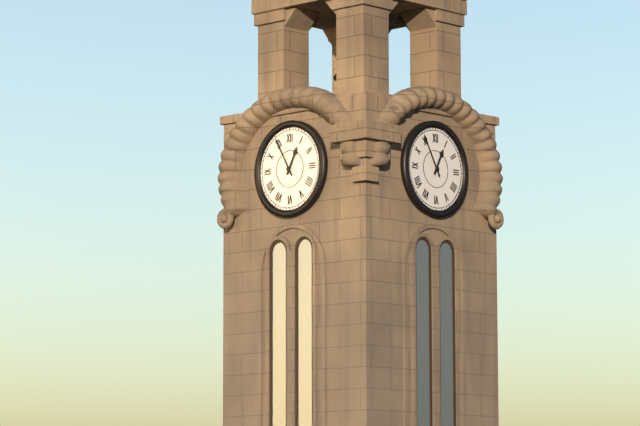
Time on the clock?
12:55
